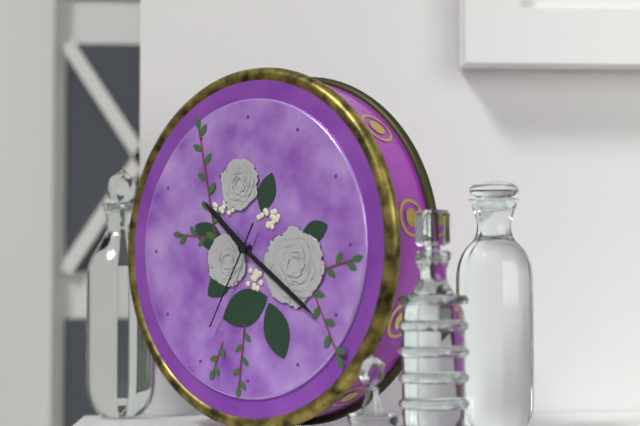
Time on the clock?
10:21:35
